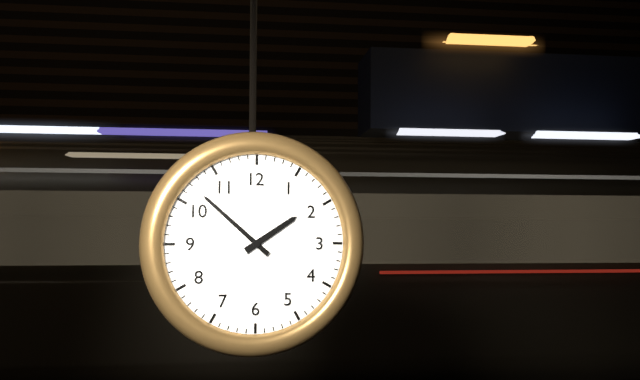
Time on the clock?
1:52
